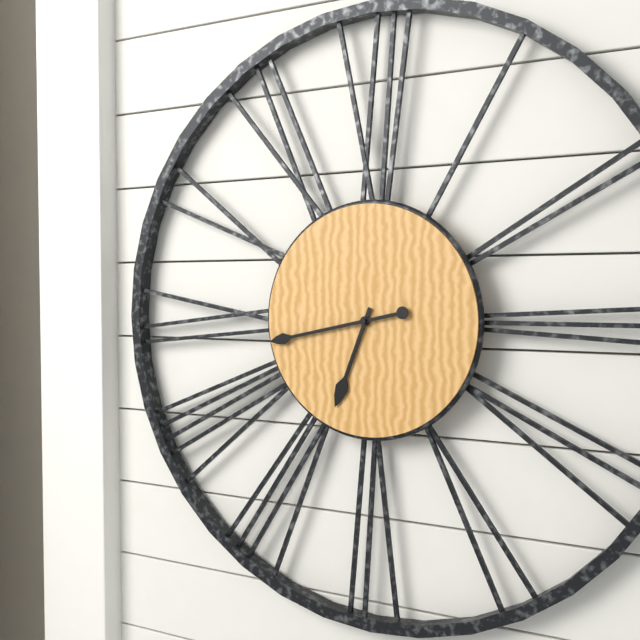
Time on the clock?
6:43
